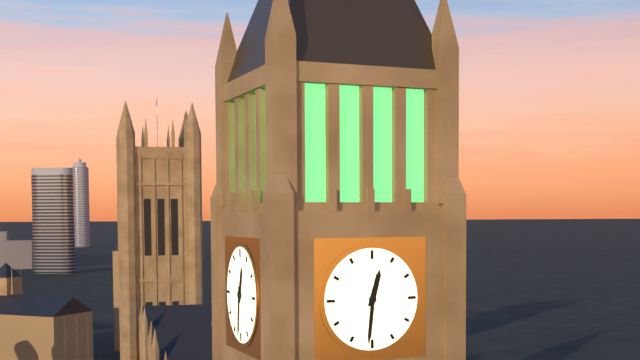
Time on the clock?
12:31
